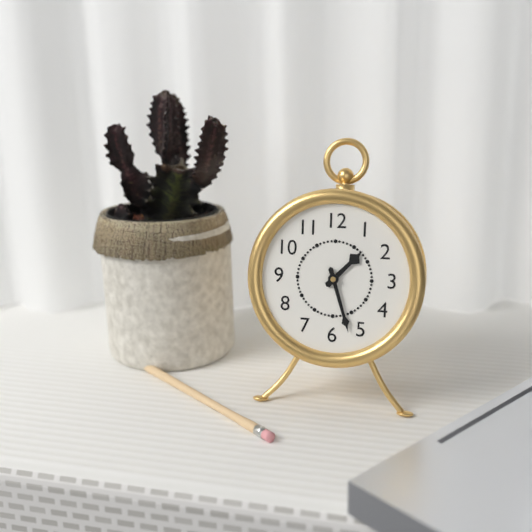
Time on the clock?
1:27
